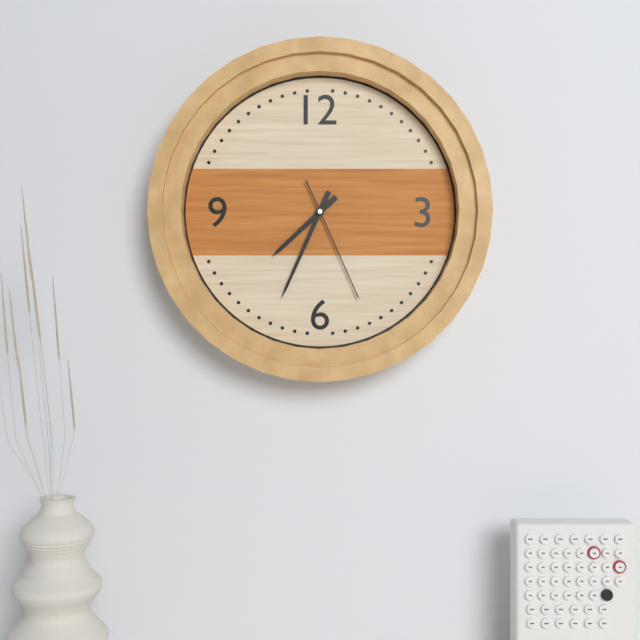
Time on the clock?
7:34:26
